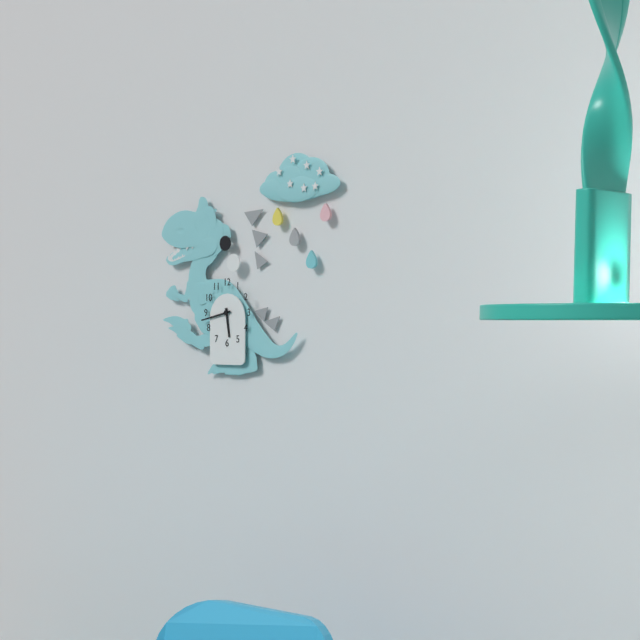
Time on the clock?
5:43
